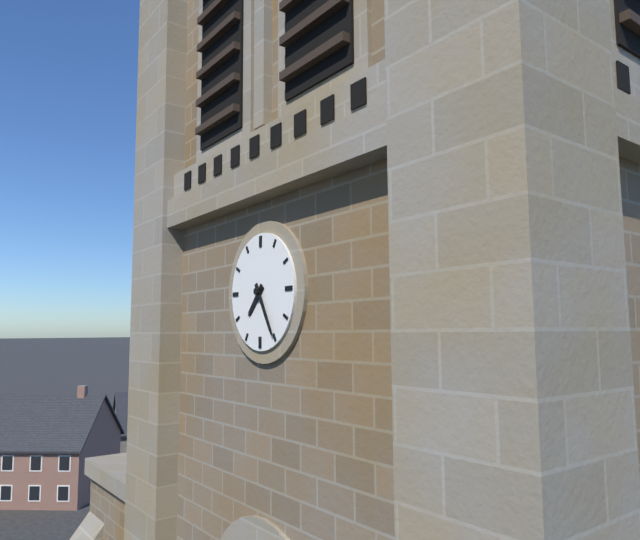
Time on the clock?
7:25
